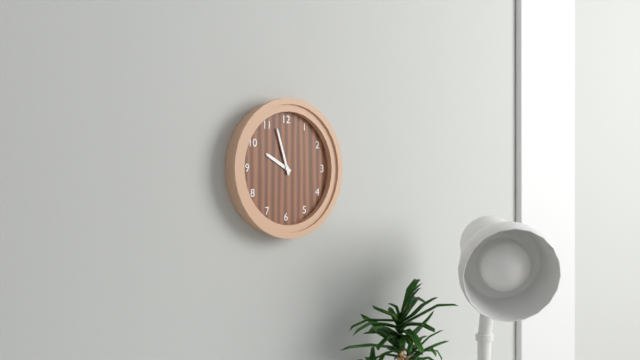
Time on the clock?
9:57
